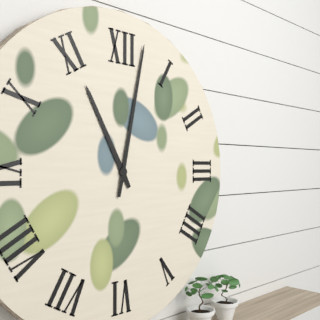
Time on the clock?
11:02
